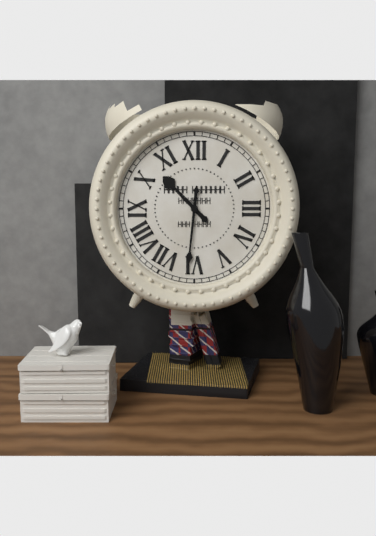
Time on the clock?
10:31
